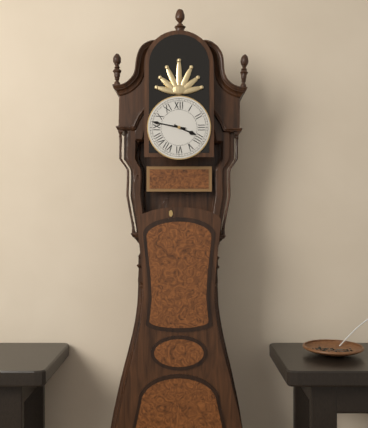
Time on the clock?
3:47
